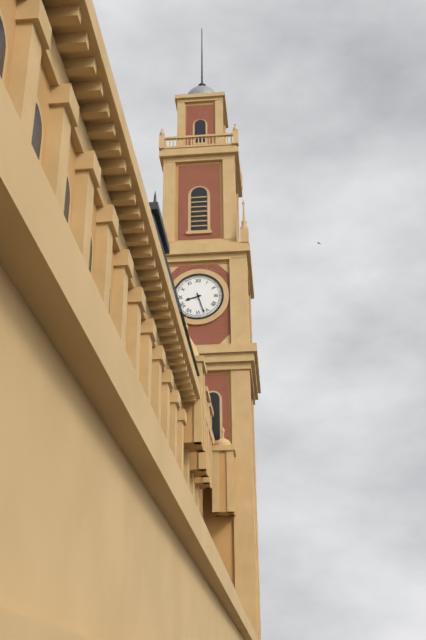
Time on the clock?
8:27
